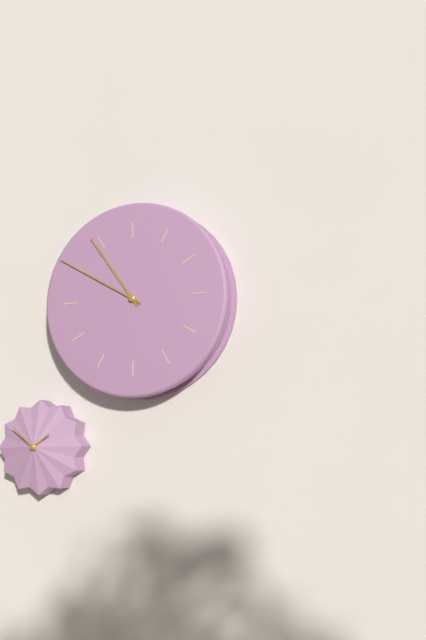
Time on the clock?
10:50
